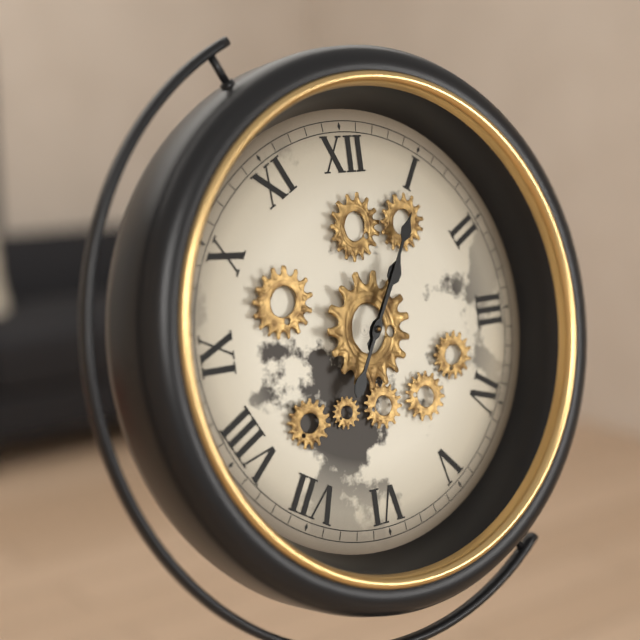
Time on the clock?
1:05
